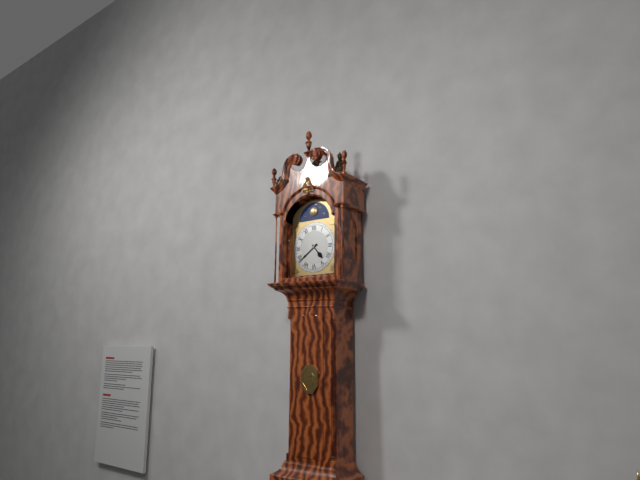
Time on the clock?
4:39
